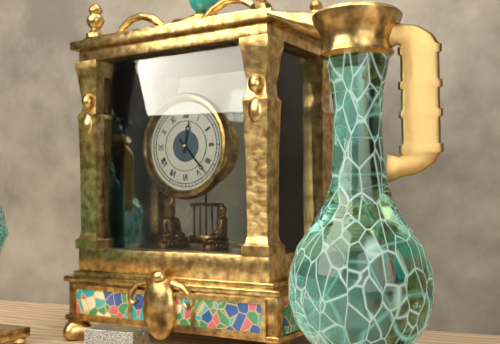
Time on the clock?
12:23
